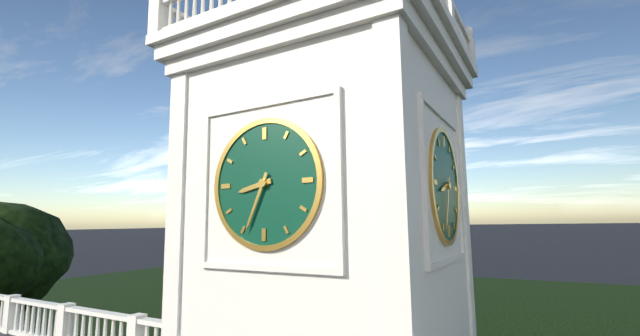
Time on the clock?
8:34
